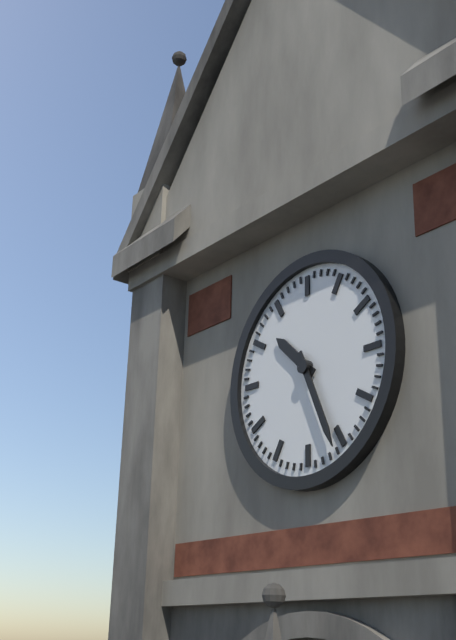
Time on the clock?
10:26
